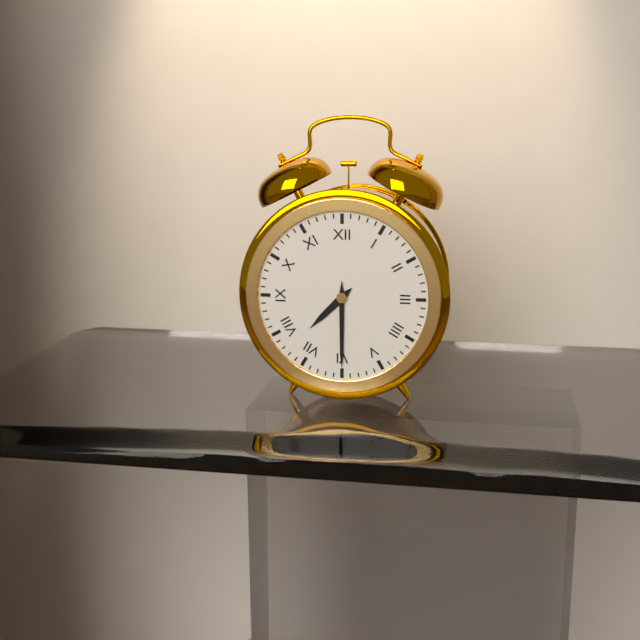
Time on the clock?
7:30
